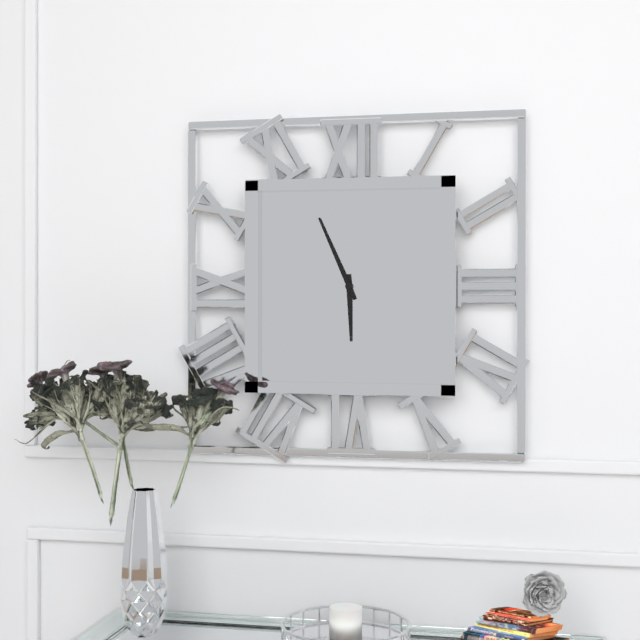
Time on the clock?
5:56
